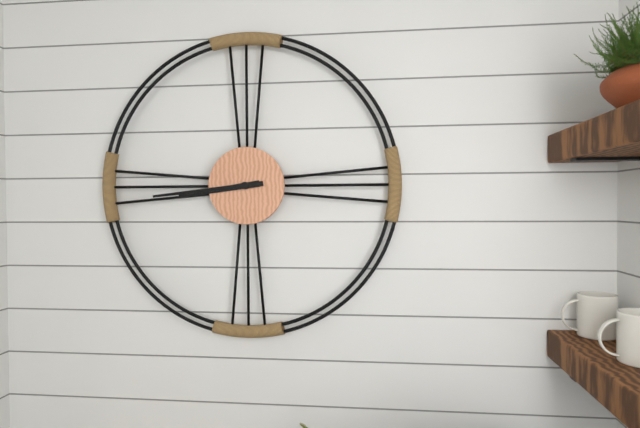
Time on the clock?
8:44
